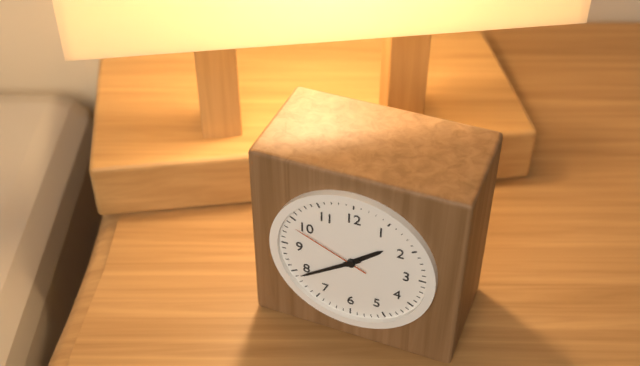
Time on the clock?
1:39:49
